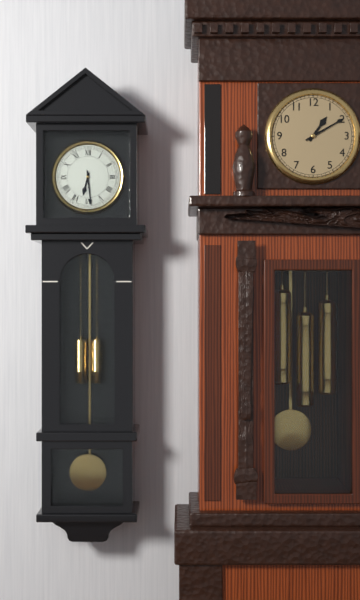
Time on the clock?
6:29
